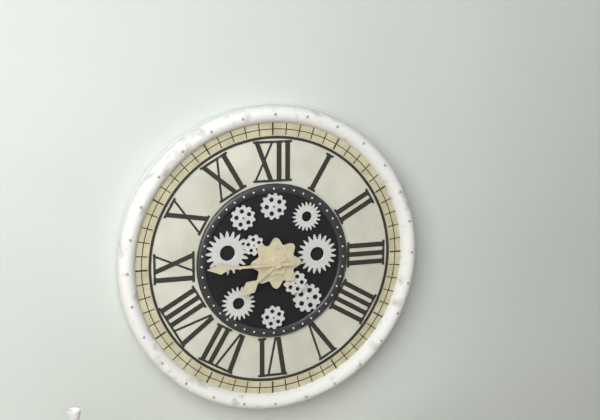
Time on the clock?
7:45
